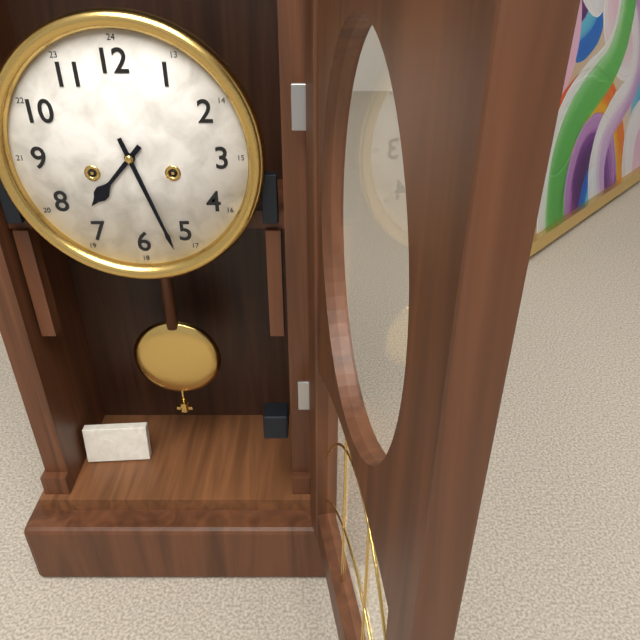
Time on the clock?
7:27
